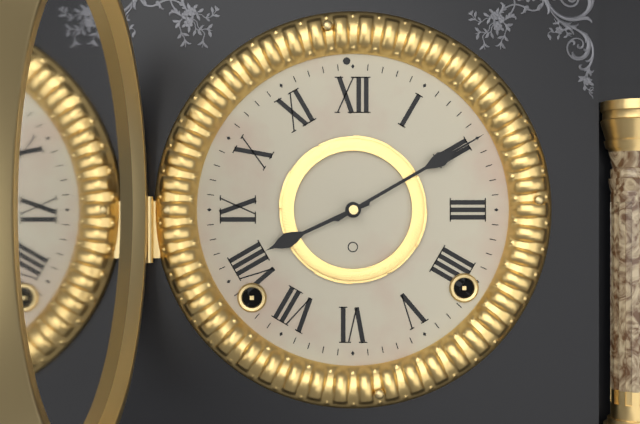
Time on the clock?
8:10
